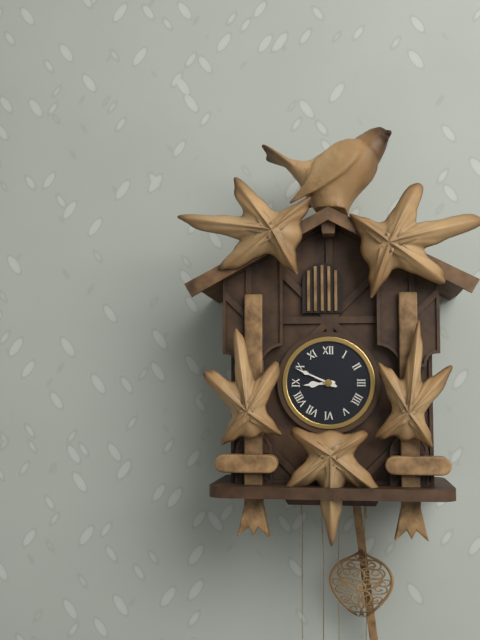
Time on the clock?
8:49
